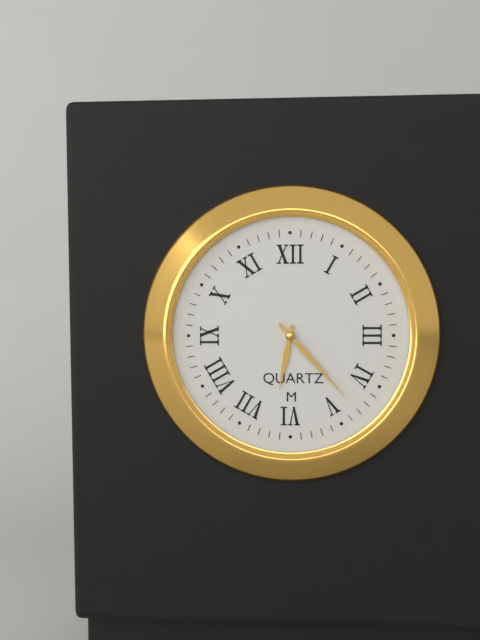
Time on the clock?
6:23
